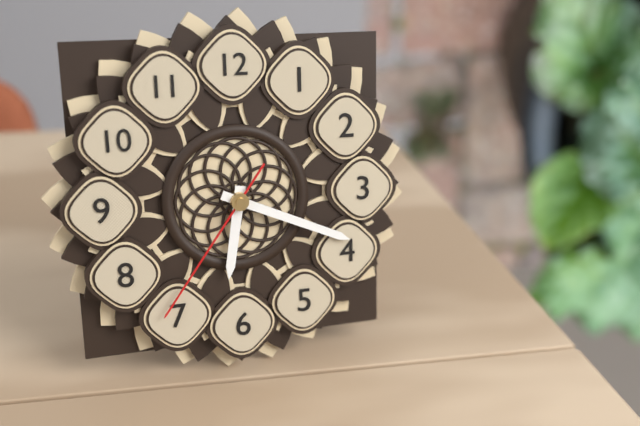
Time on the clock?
6:19:36
